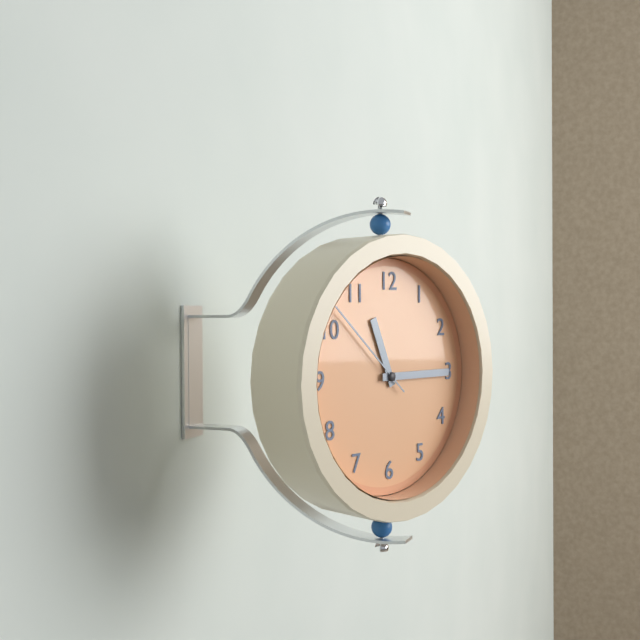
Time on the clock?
11:15:52
